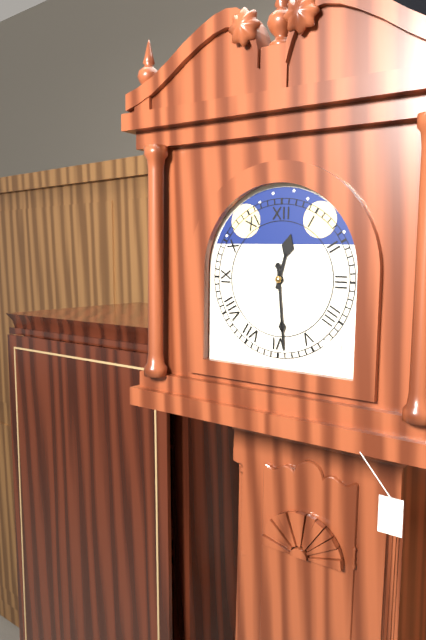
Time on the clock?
12:29
